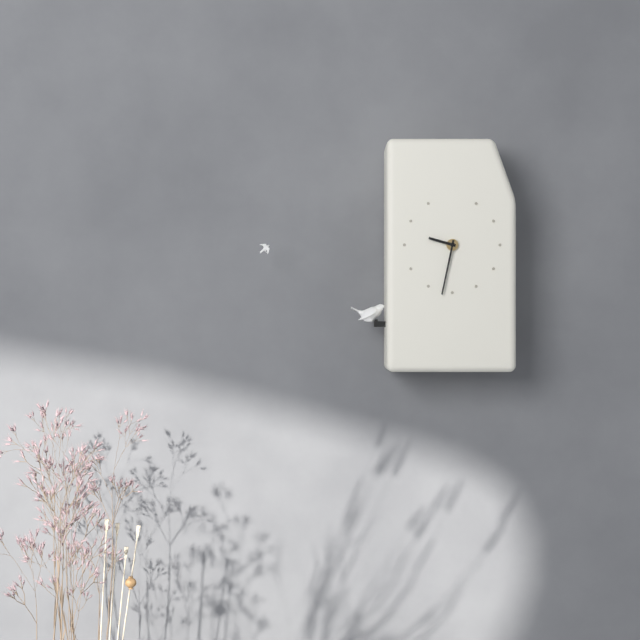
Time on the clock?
9:32
